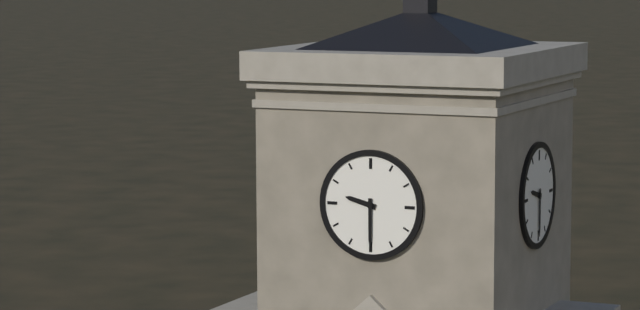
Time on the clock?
9:30
